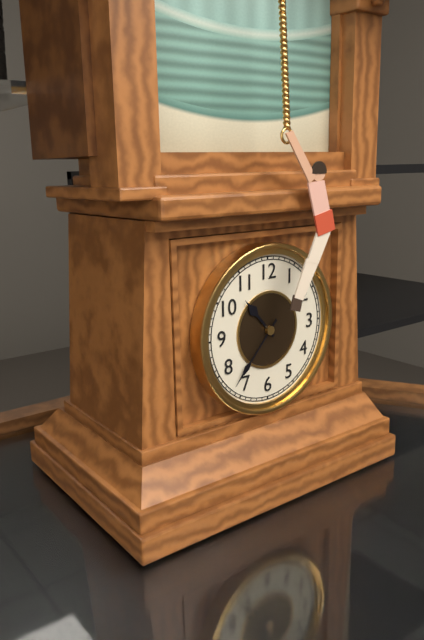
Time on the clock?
10:37
